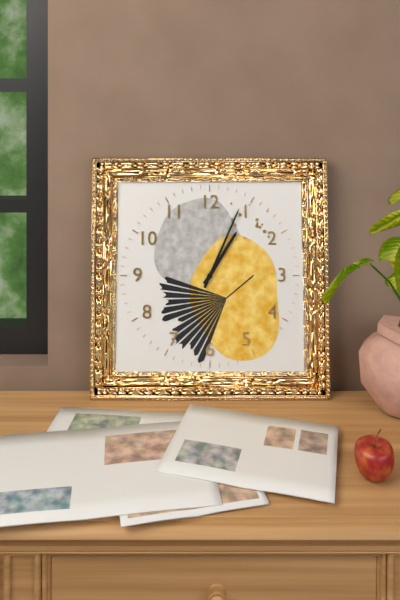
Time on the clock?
1:04
